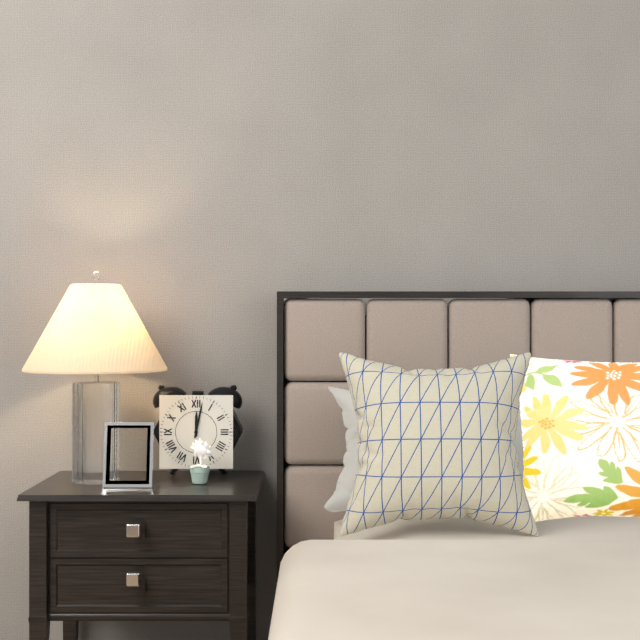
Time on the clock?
12:02
